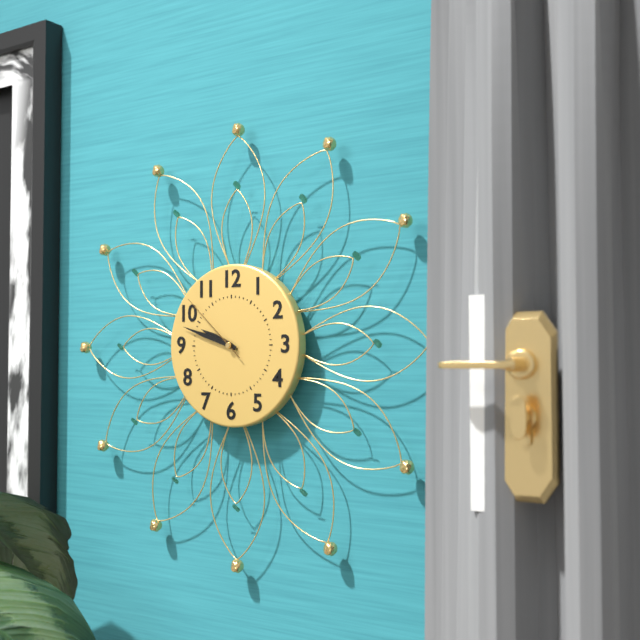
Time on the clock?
9:48:52
